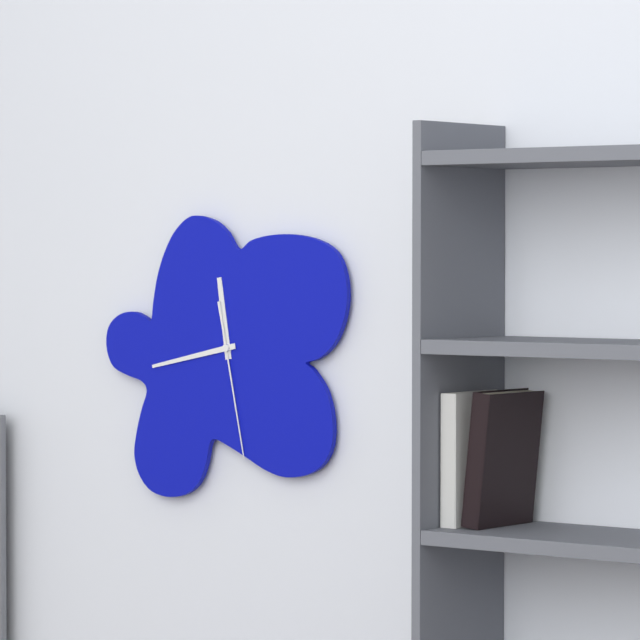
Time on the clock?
11:43:28
